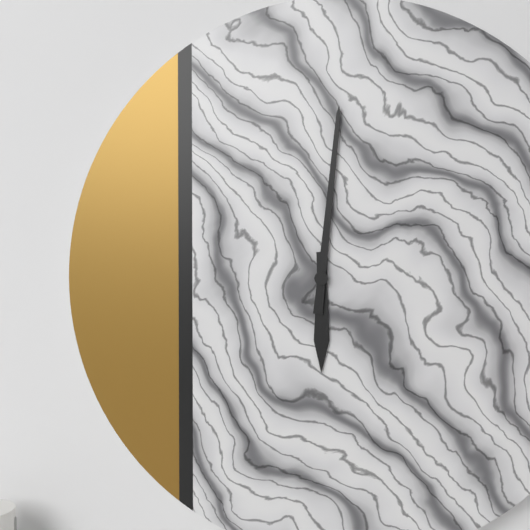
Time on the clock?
6:01
